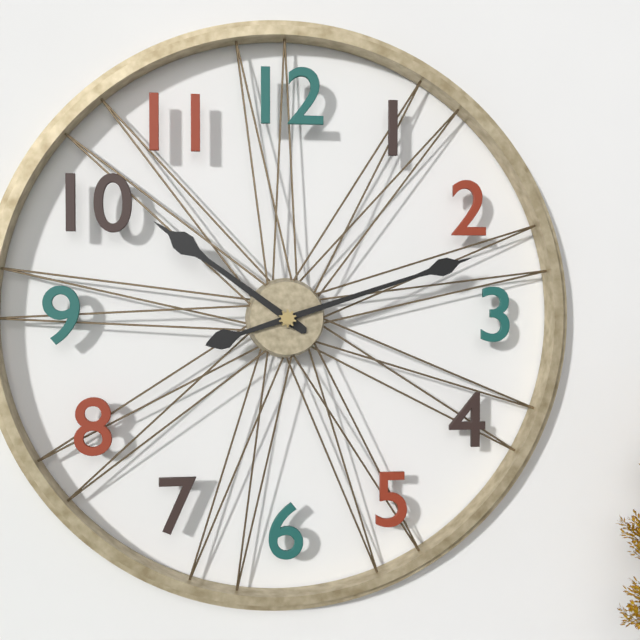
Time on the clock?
10:12
